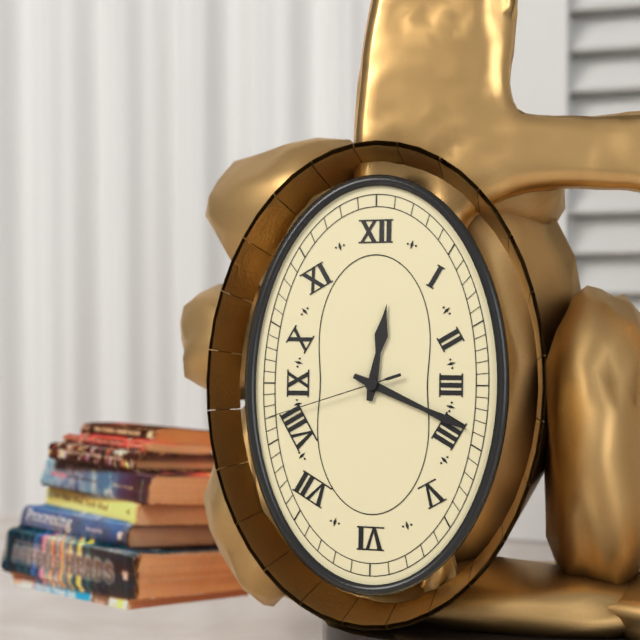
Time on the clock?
12:19:42
